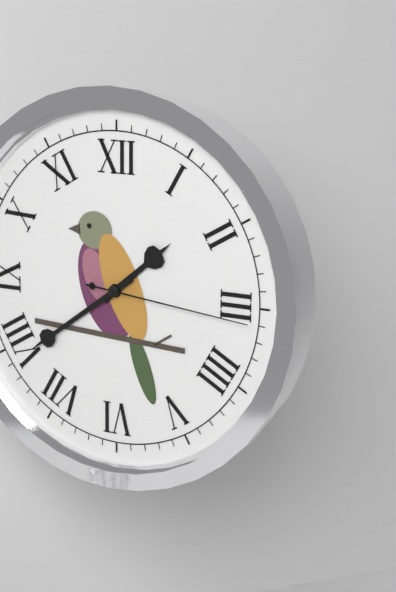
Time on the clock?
1:39:16
